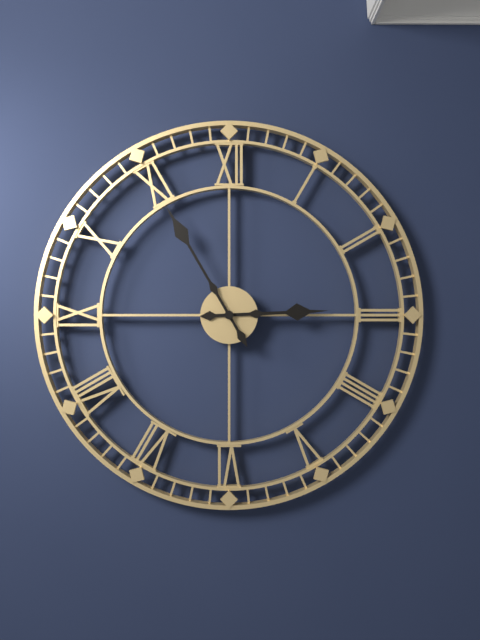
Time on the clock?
2:55
